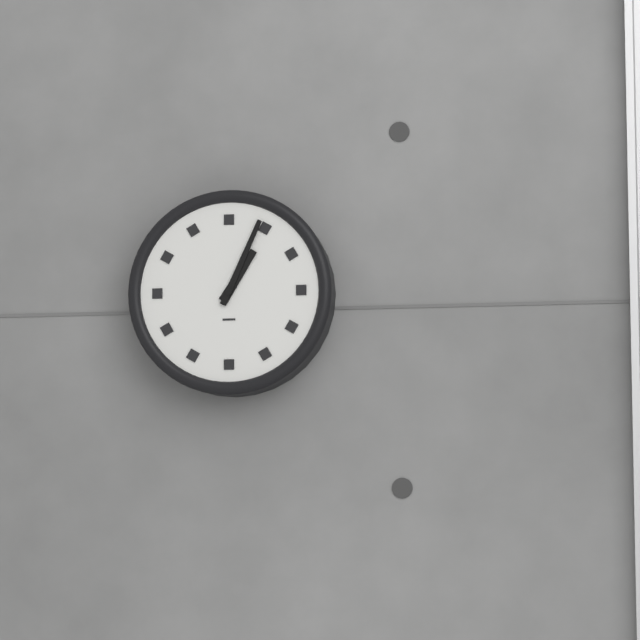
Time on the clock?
1:04
